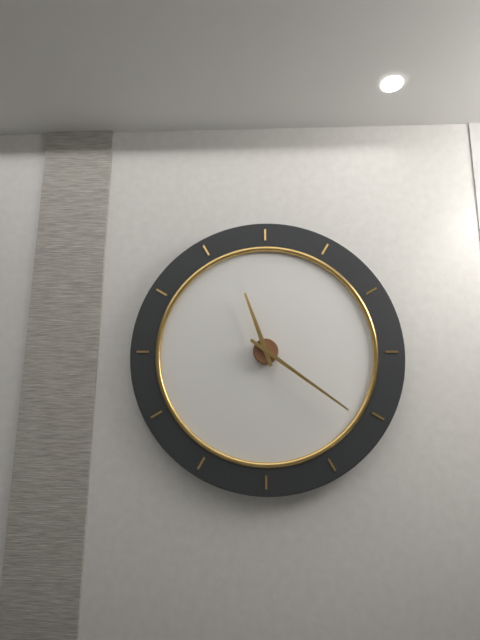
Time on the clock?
11:21
